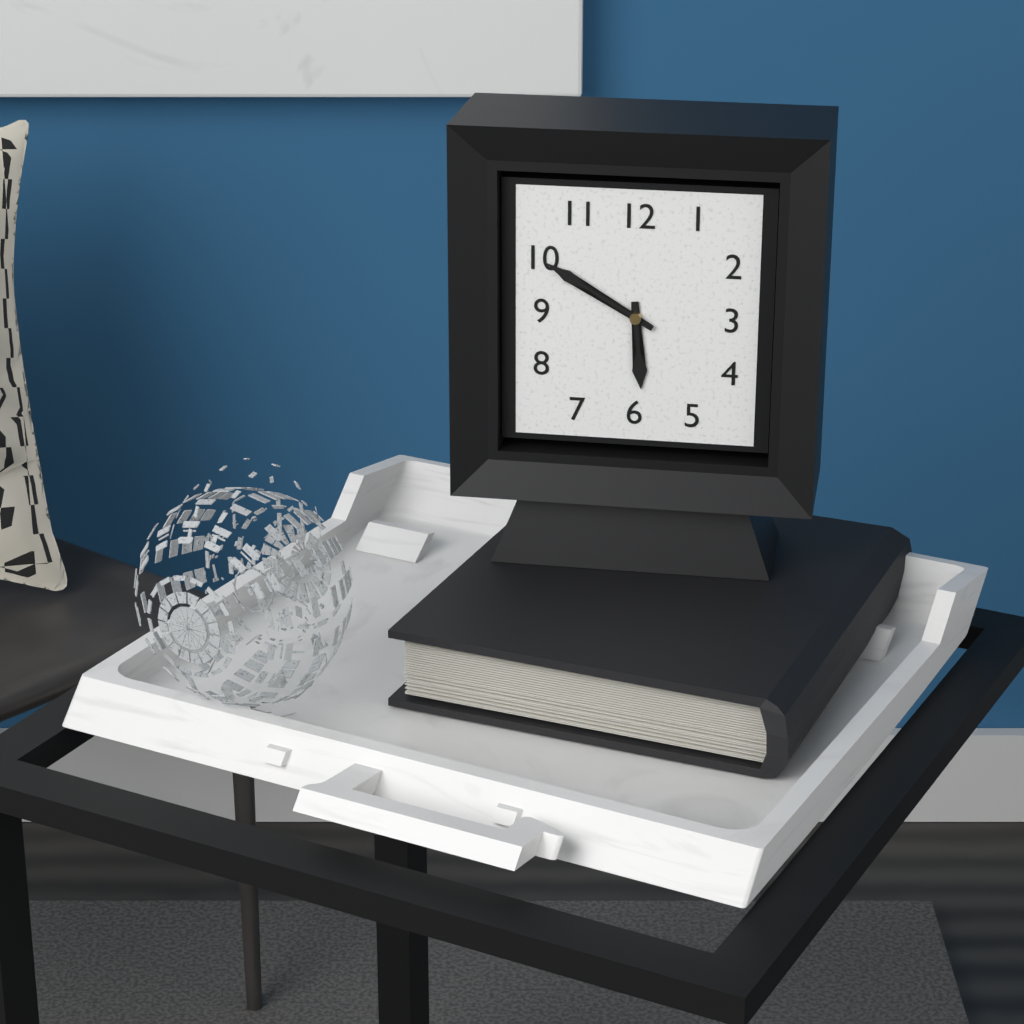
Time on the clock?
5:50
